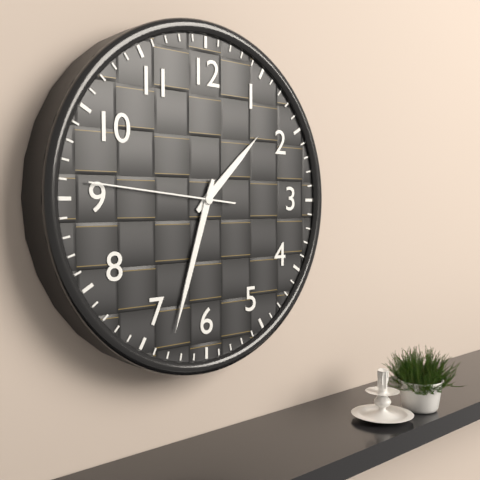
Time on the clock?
1:33:46
